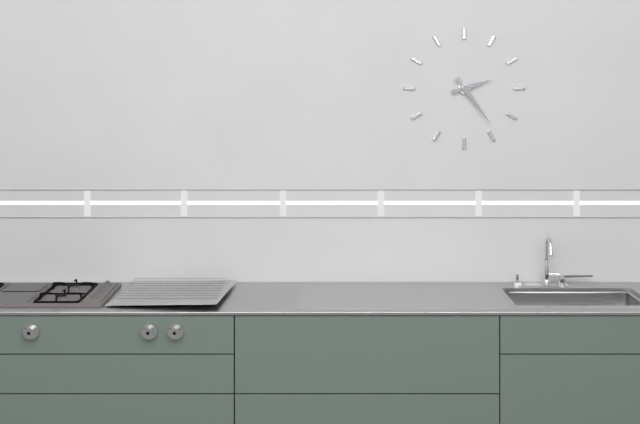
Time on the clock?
2:24
